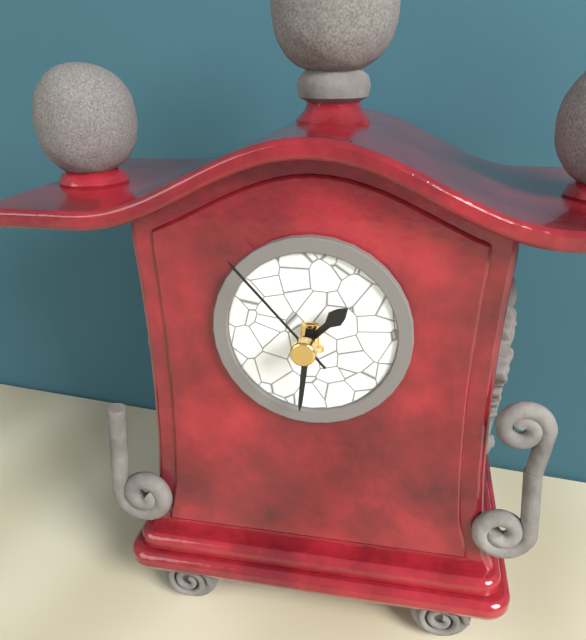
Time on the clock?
1:31:53
